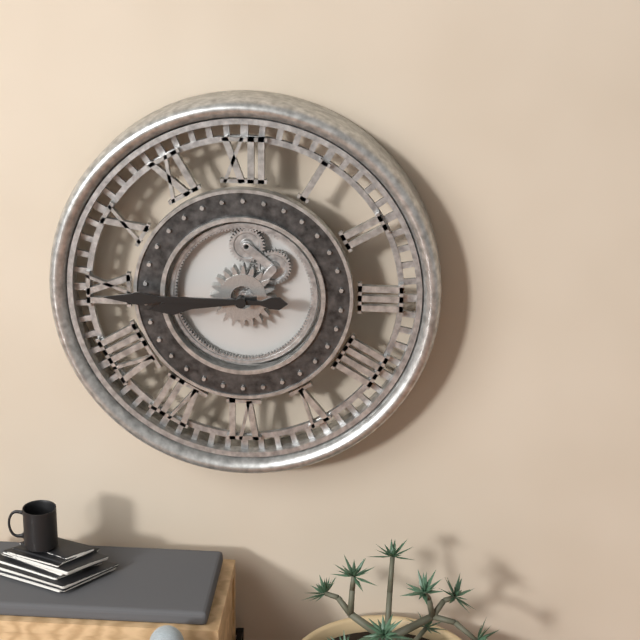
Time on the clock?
8:45
